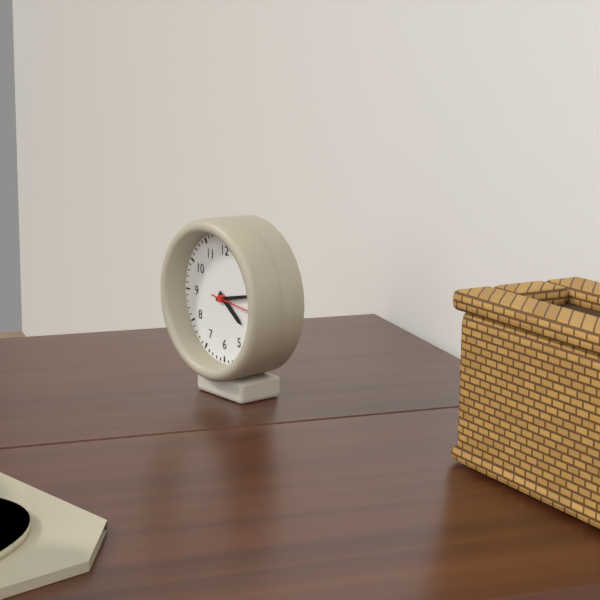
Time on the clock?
4:13
